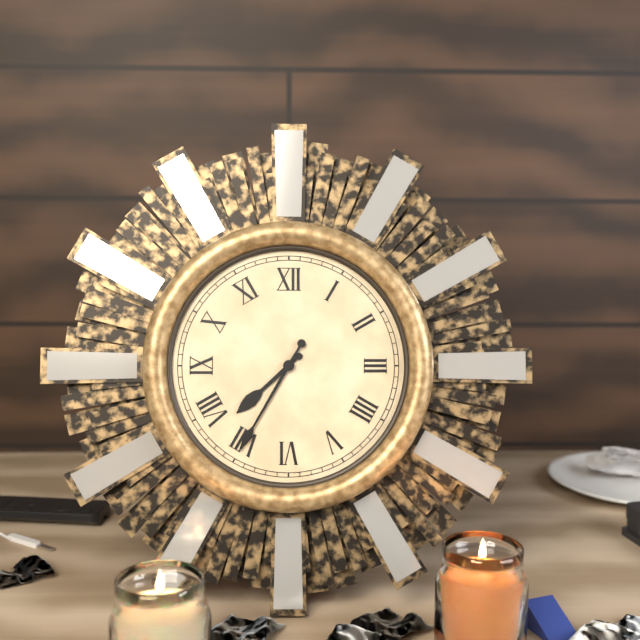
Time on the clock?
7:35
